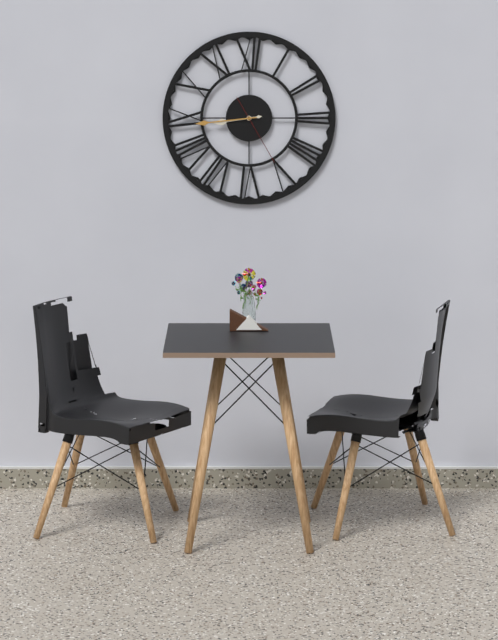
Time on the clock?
8:44:25
